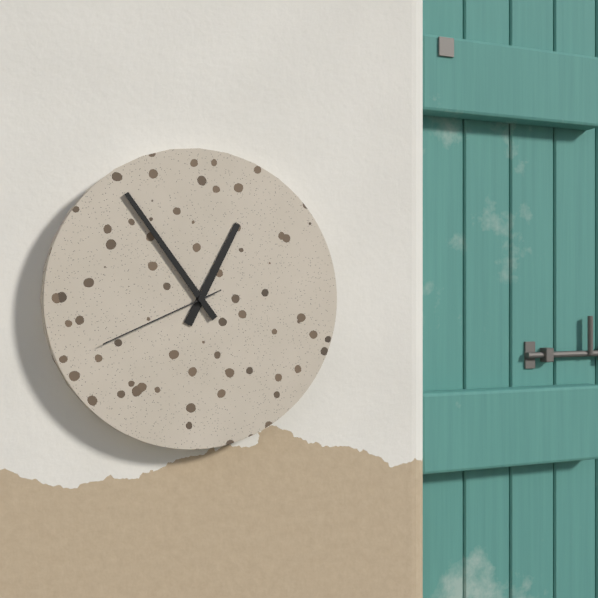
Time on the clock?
12:54:41
